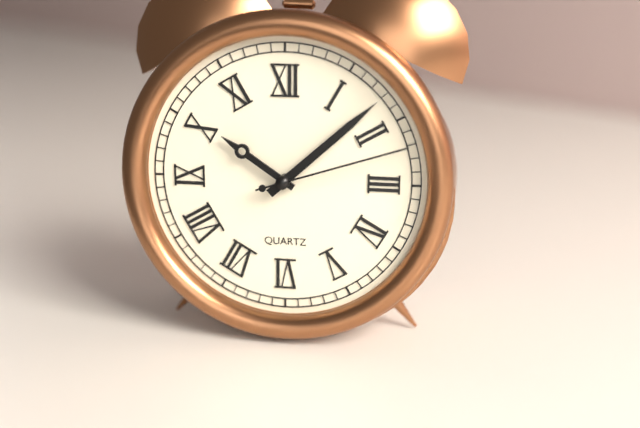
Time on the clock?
10:08:12
